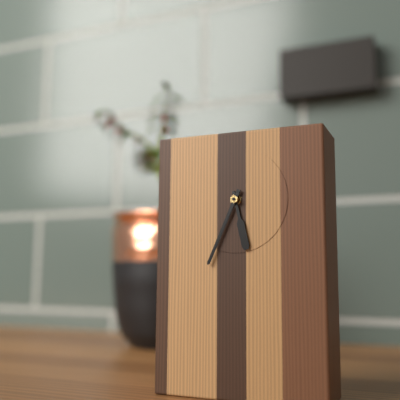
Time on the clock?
5:34
